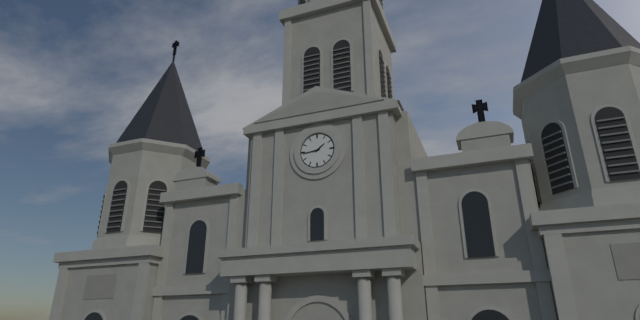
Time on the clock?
1:44
